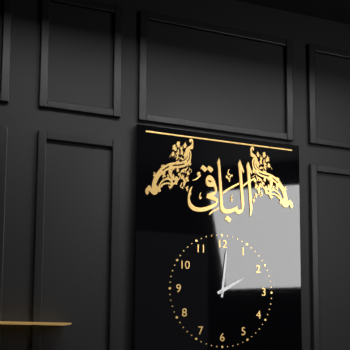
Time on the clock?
2:01
